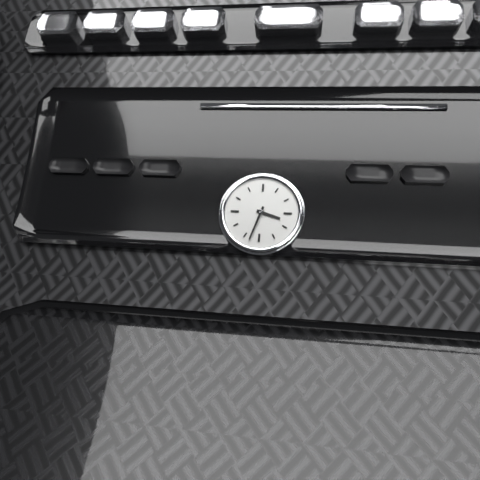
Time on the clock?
3:33
